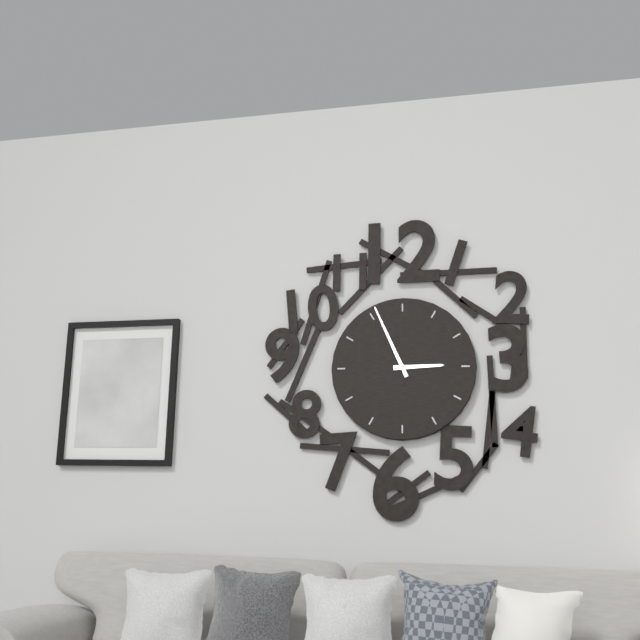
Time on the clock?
2:56
